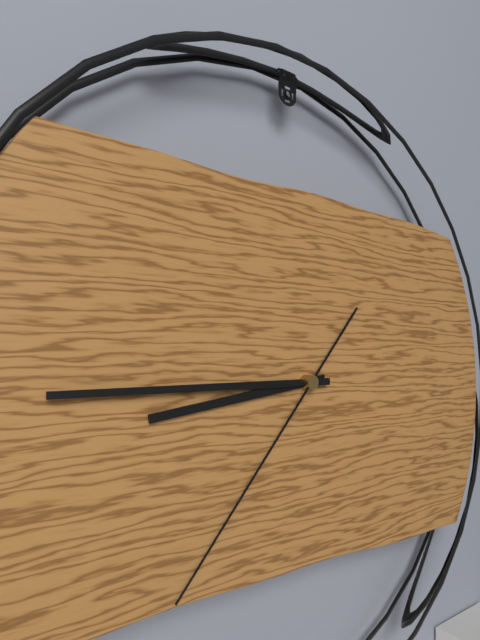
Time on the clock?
8:45:37
